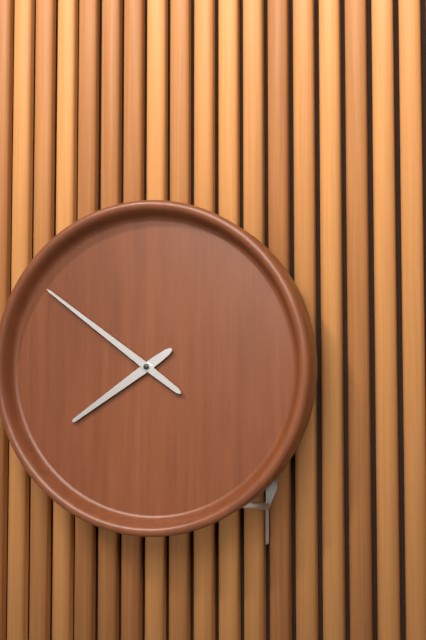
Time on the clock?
7:51
